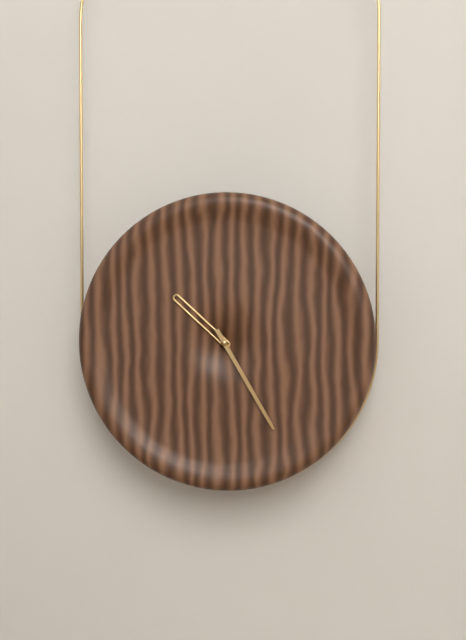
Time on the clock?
10:25
